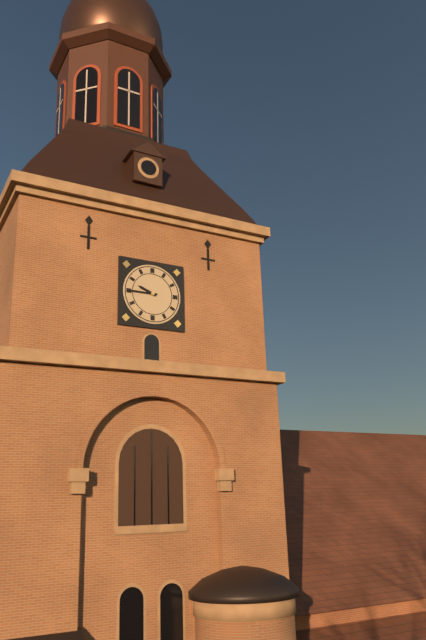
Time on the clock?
9:45
